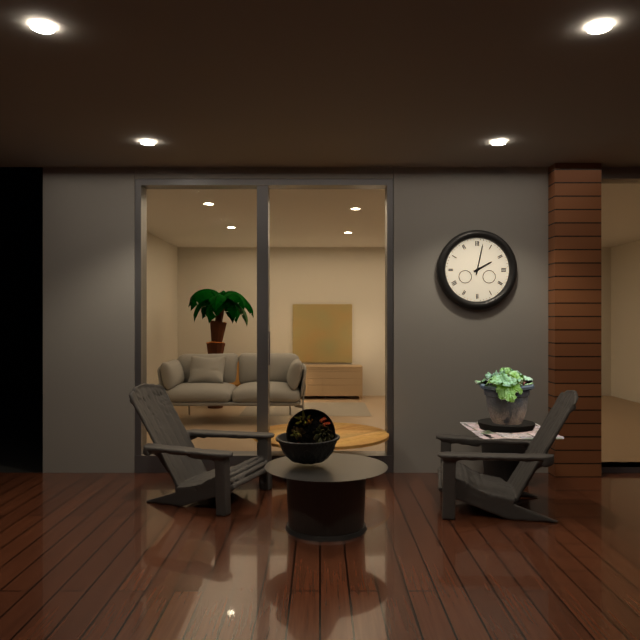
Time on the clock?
2:02
